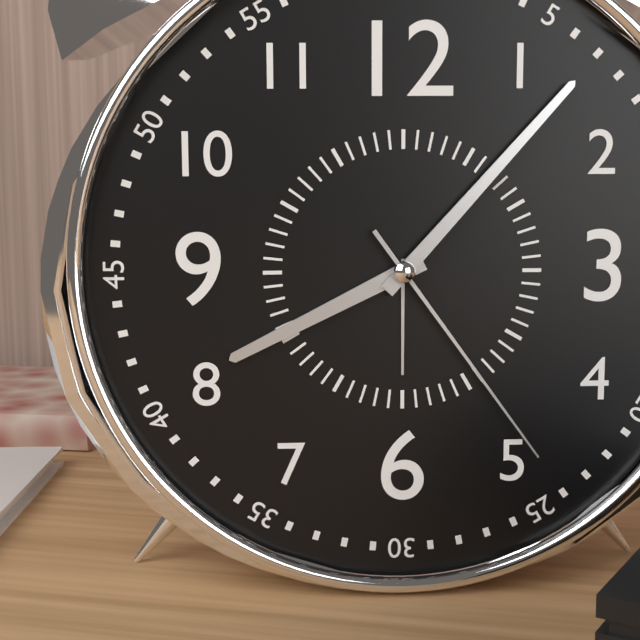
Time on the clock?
8:07:24
